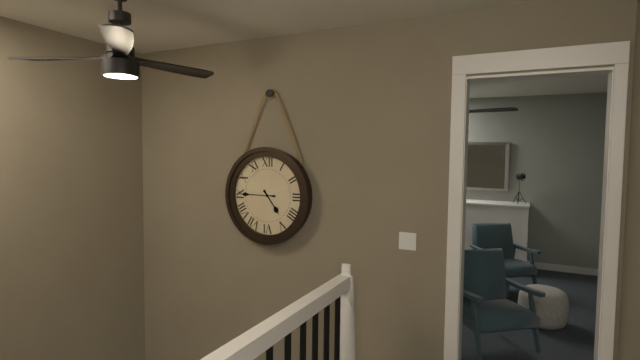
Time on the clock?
4:45
